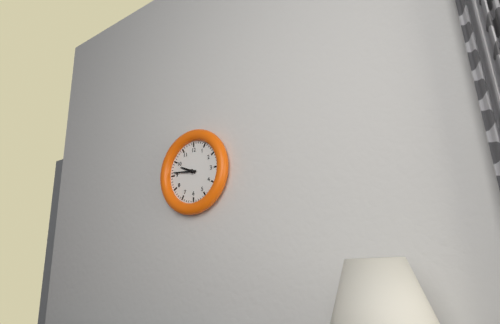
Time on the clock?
9:46
